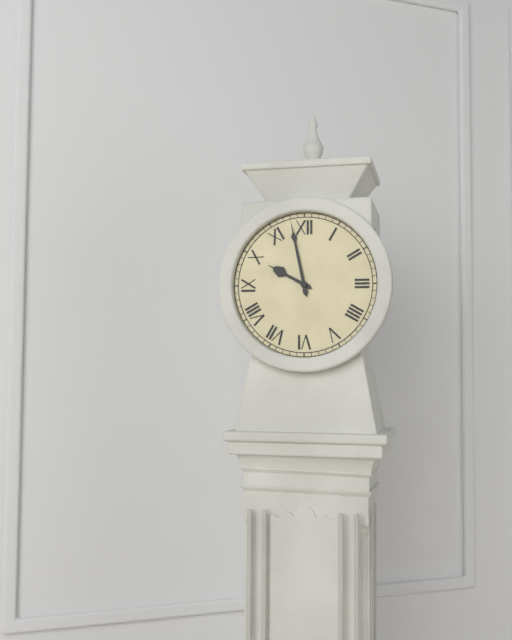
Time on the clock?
9:58
